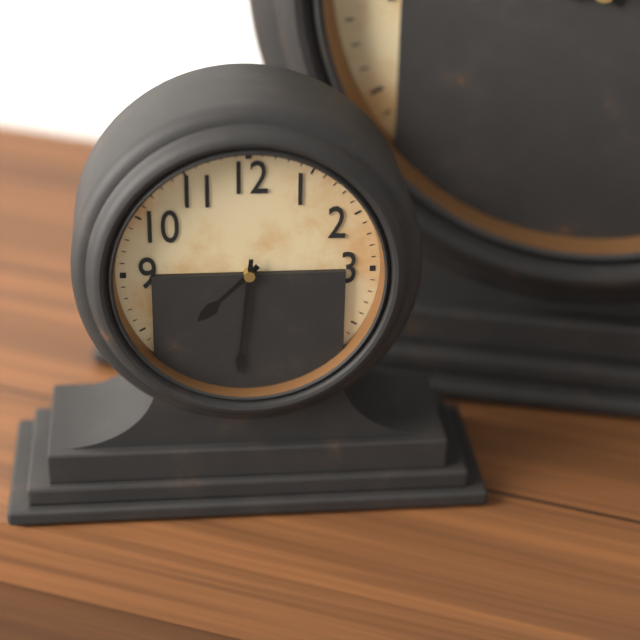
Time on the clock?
7:31
